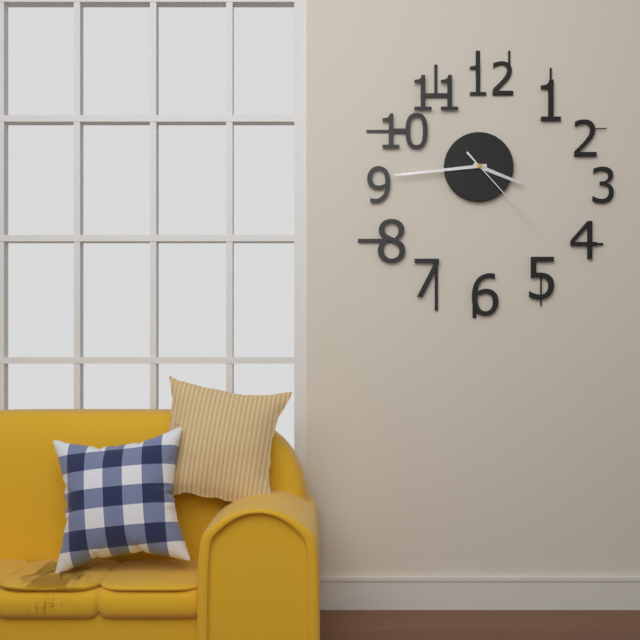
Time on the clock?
3:44:23
